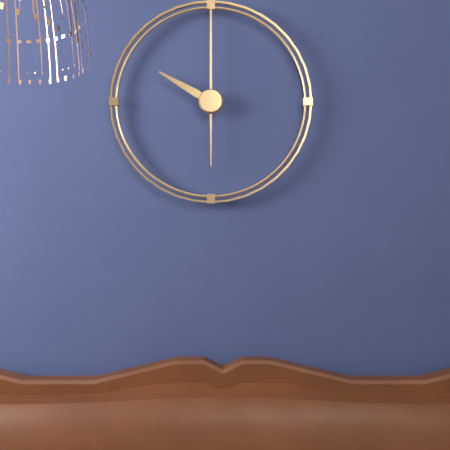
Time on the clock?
10:00
